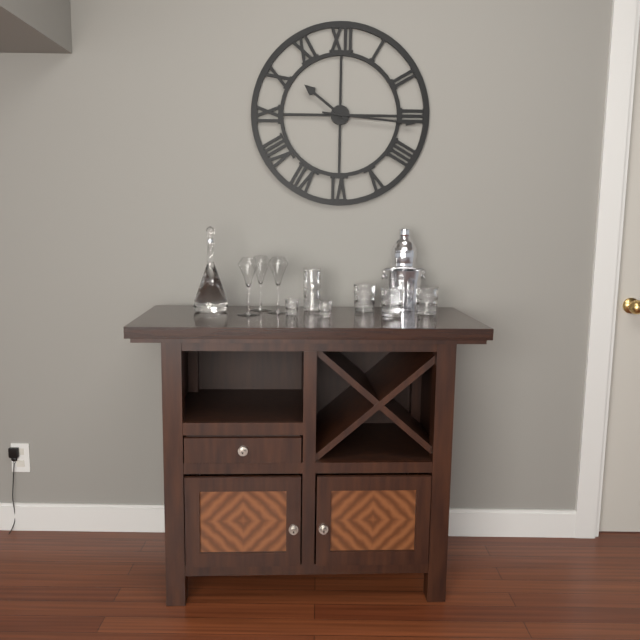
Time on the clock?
10:16
